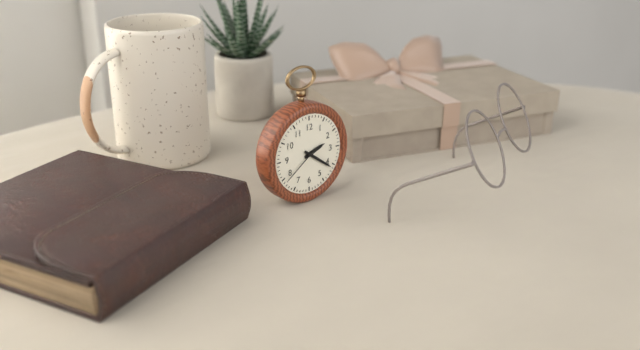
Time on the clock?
2:21
